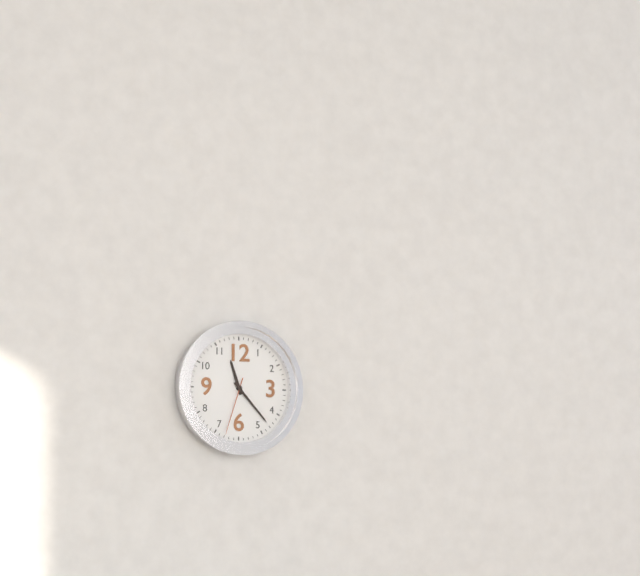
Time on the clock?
11:23:33
